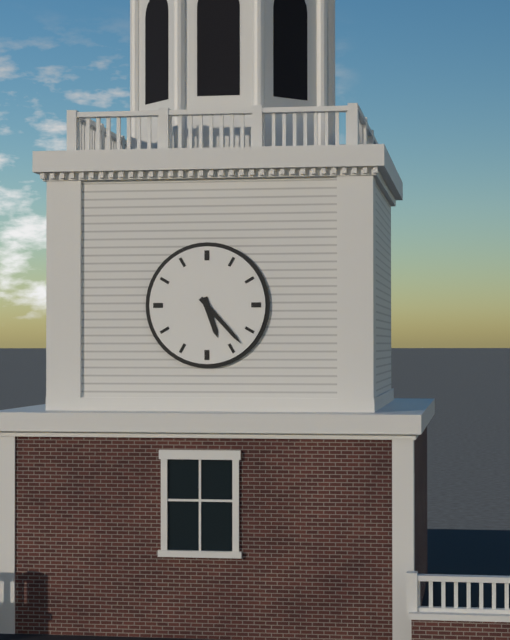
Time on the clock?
5:23
